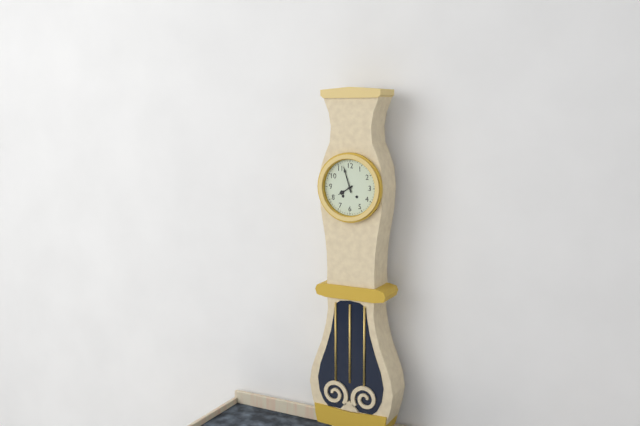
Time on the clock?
7:57
